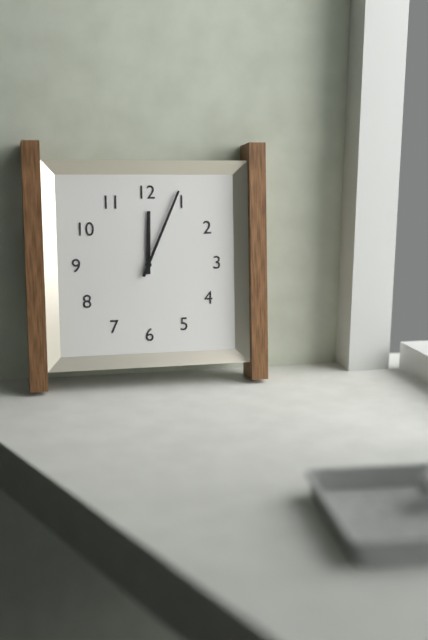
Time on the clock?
12:04
